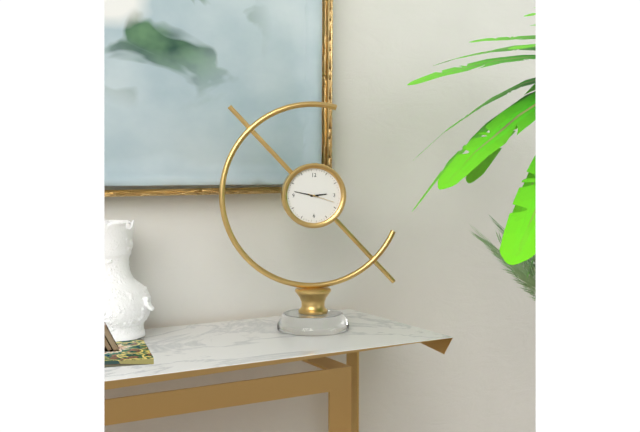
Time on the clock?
2:47
